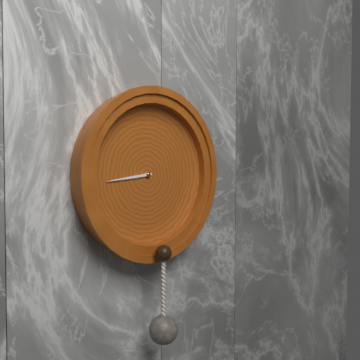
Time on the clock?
8:44
